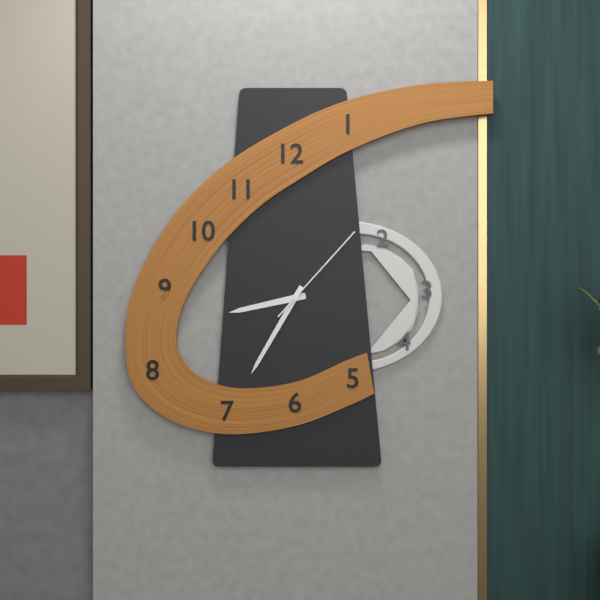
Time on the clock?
8:35:07
